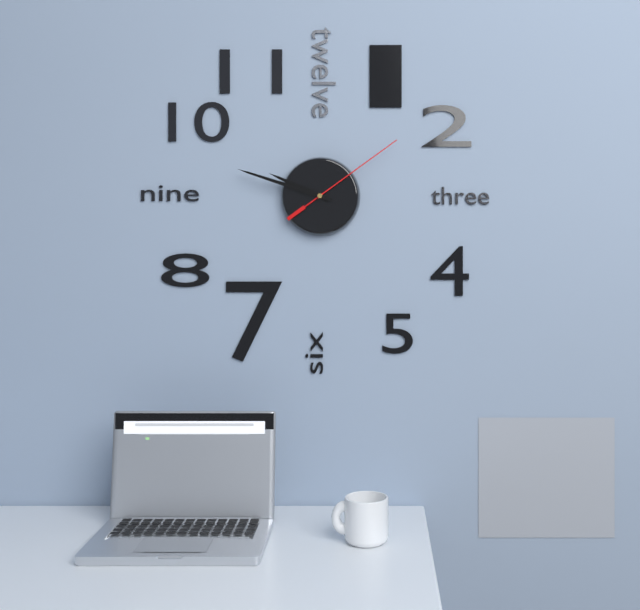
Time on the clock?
9:48:09
